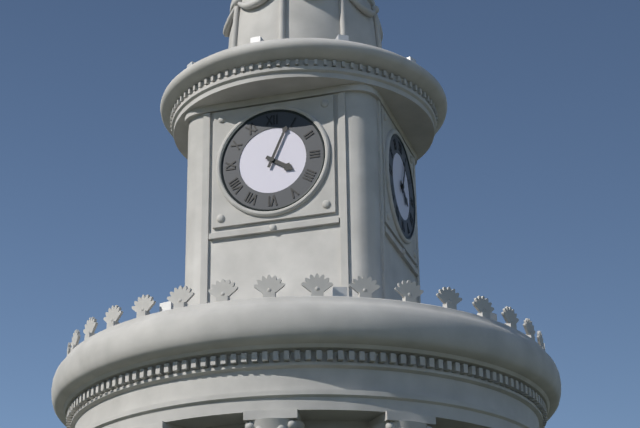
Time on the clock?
4:04
